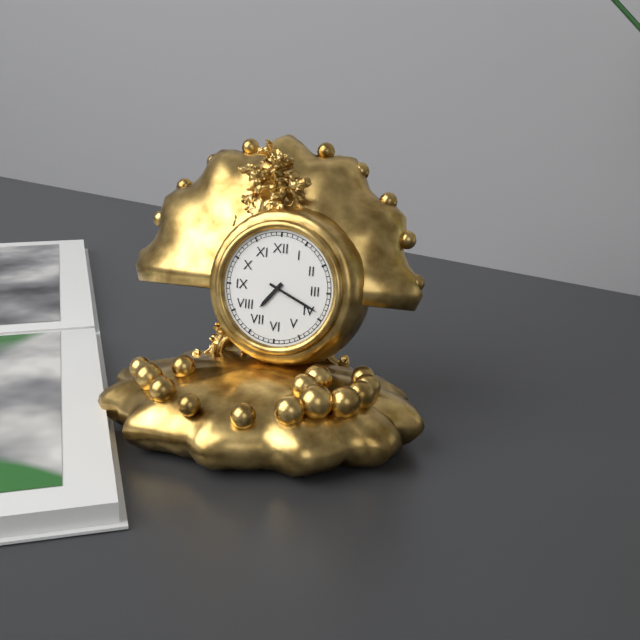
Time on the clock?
7:19
